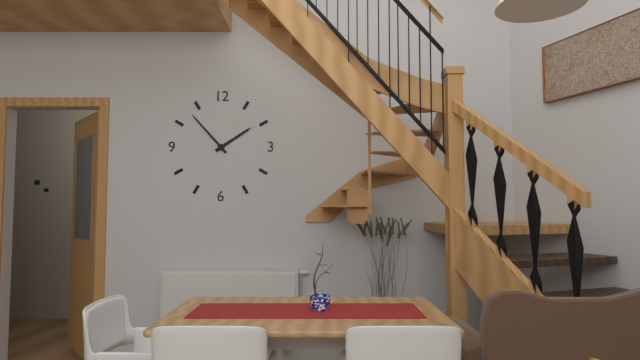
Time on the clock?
1:53
